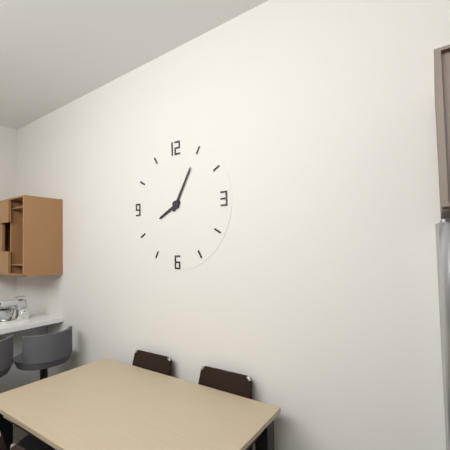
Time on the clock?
8:05
